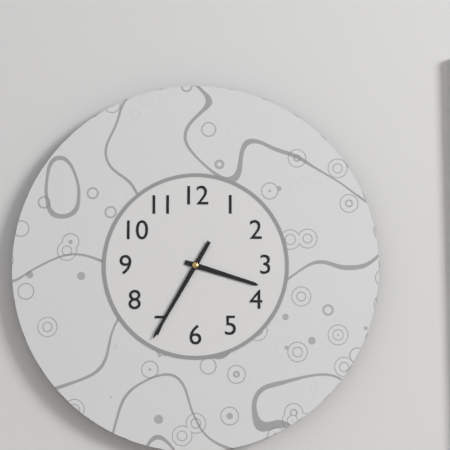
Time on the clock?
3:35
